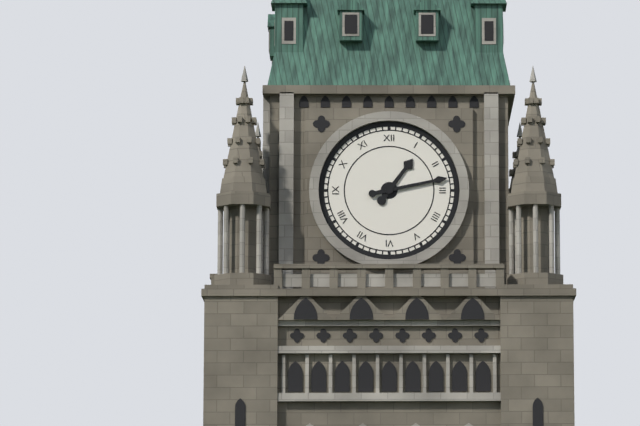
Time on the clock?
1:13
